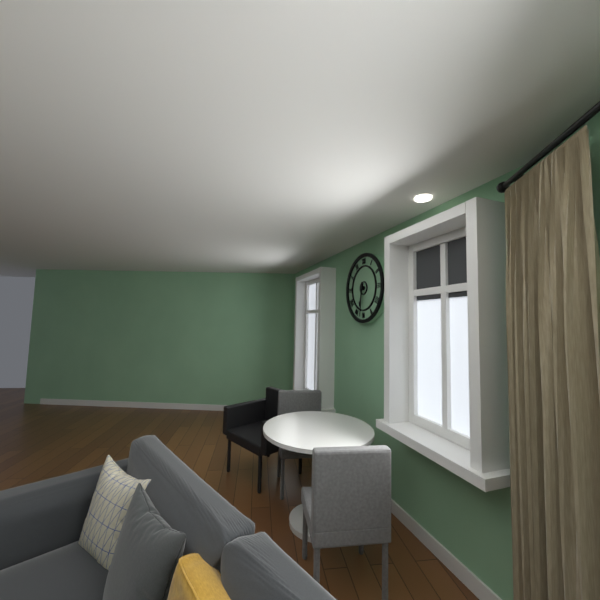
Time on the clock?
6:31
